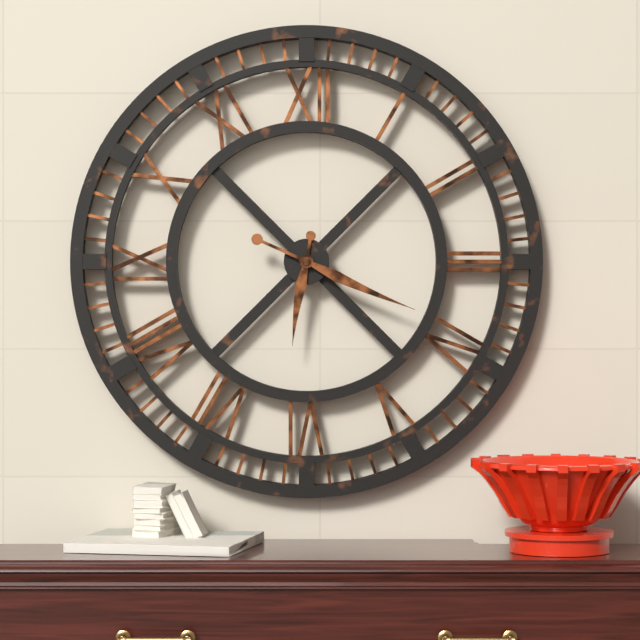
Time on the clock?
6:19
